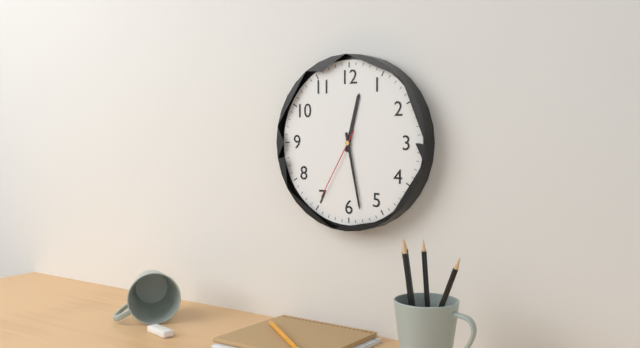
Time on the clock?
12:28:35
